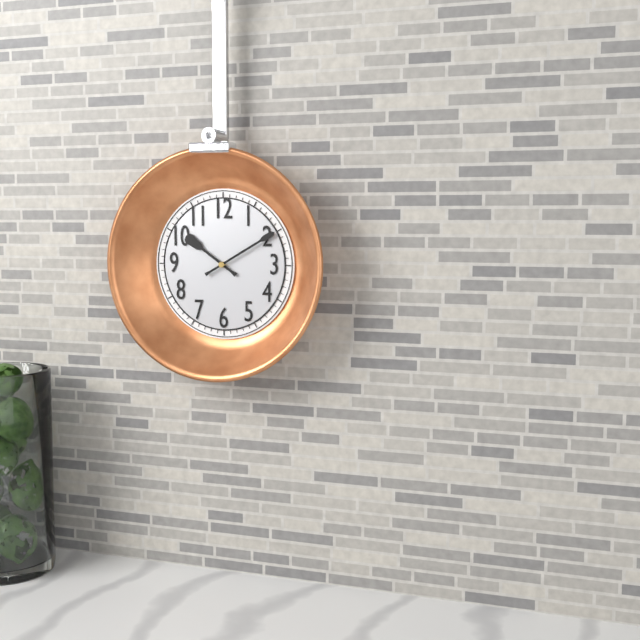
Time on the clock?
10:10
